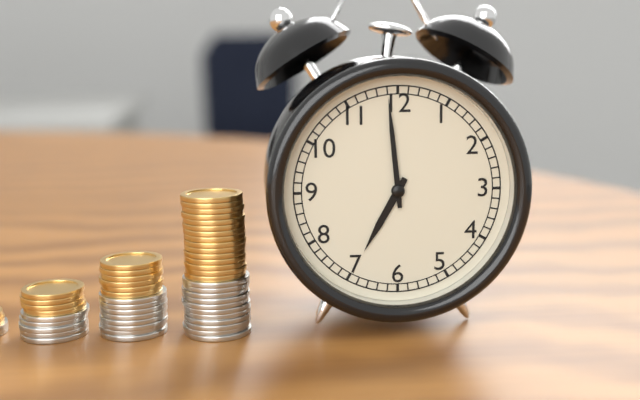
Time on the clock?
6:59
